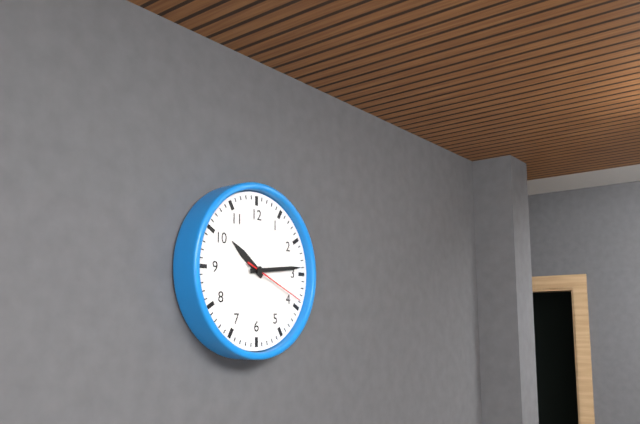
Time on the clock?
10:14:19
